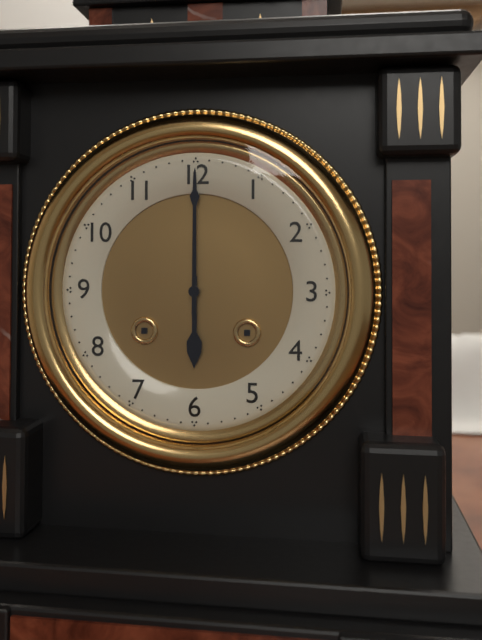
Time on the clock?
6:00
